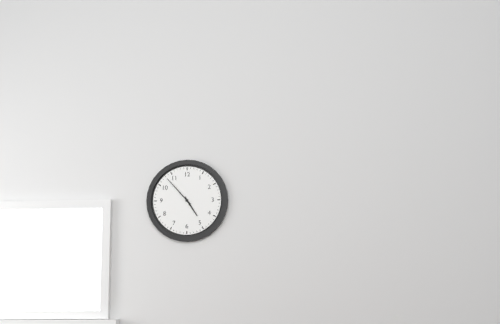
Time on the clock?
4:53
